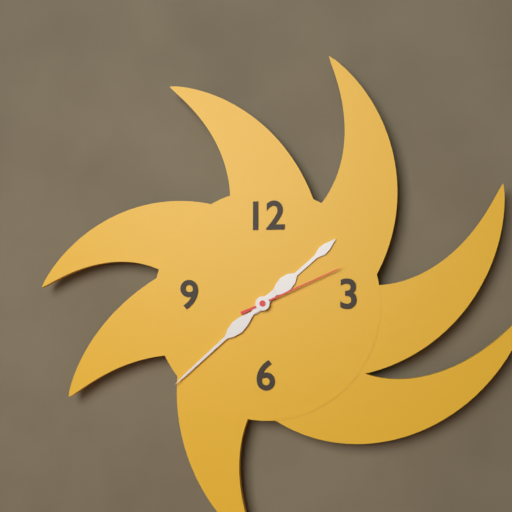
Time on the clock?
1:38:11
